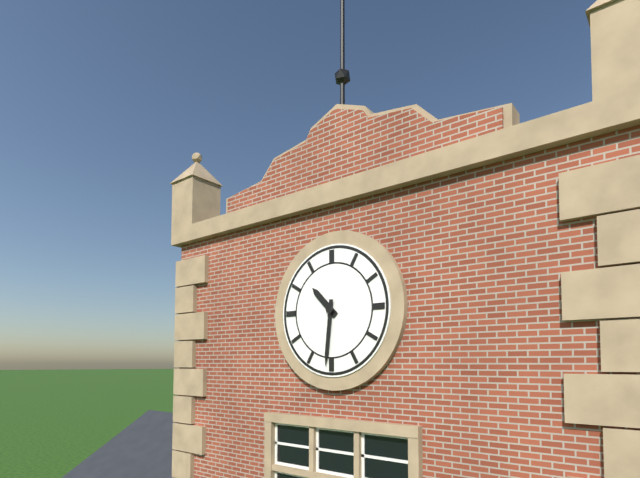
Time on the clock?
10:31
